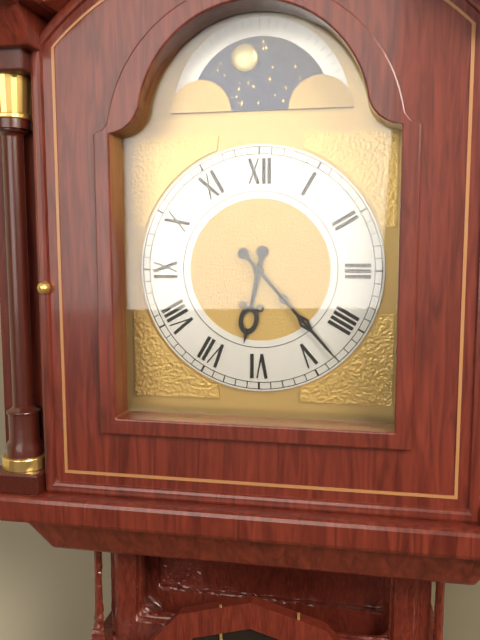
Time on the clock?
6:23
